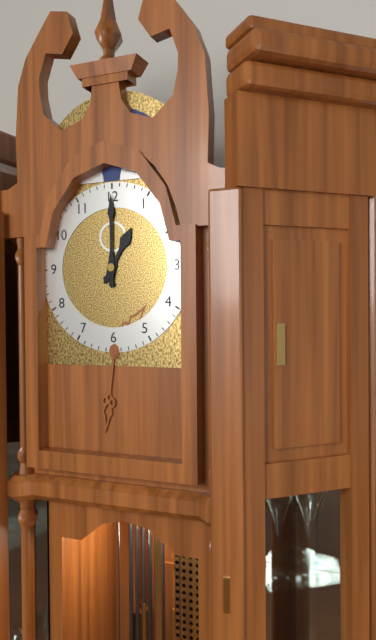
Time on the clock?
1:00
